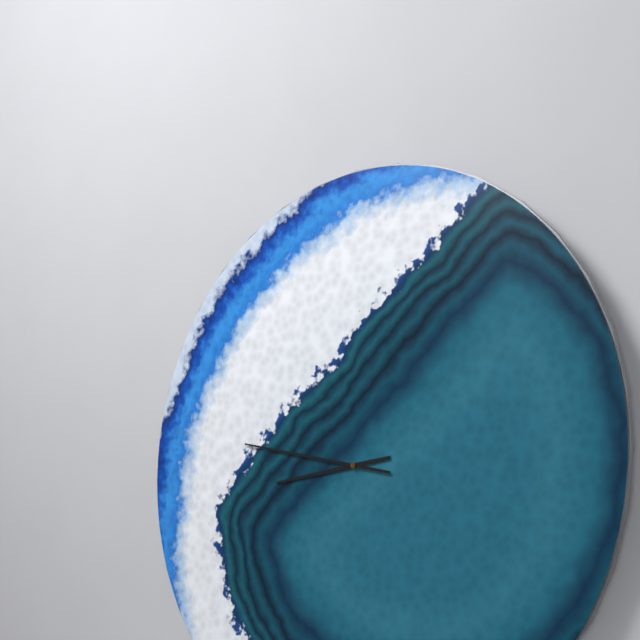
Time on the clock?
8:47
